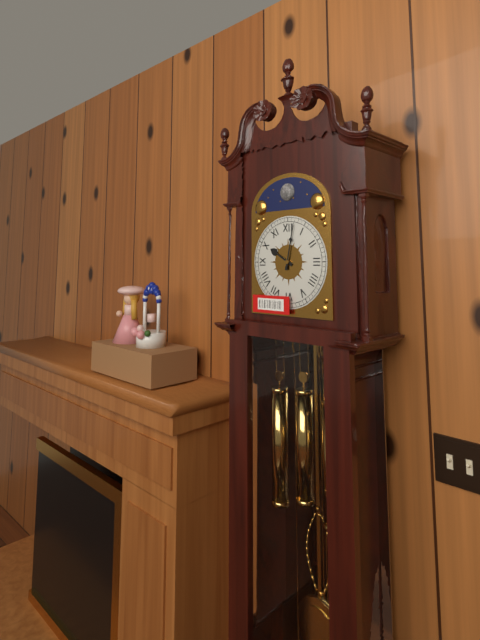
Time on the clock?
10:02
